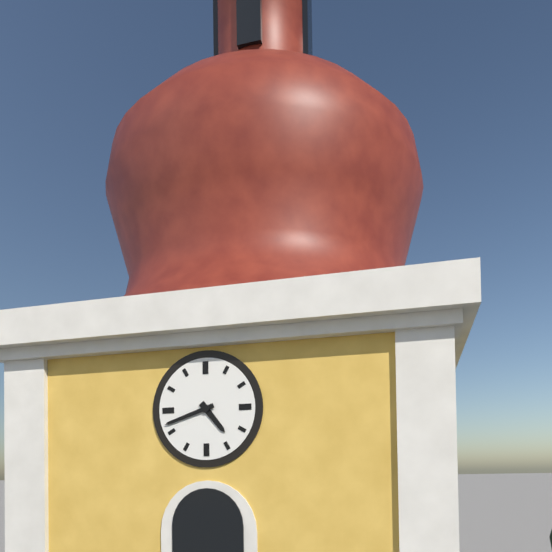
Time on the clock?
4:42
